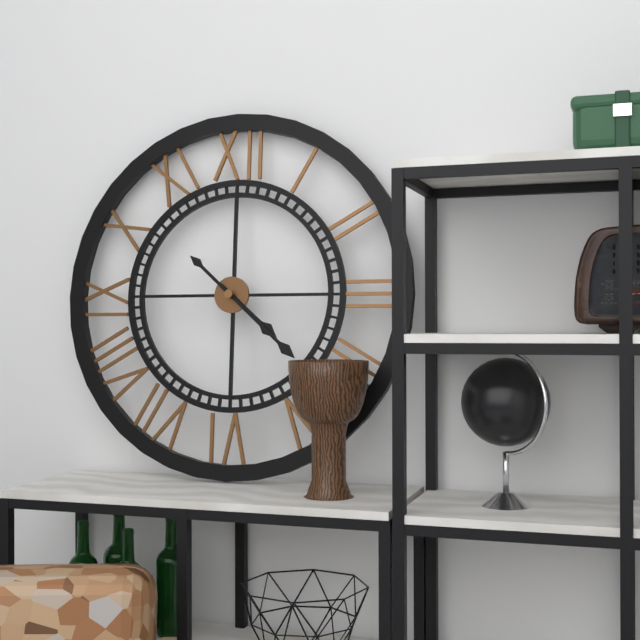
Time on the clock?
4:22
